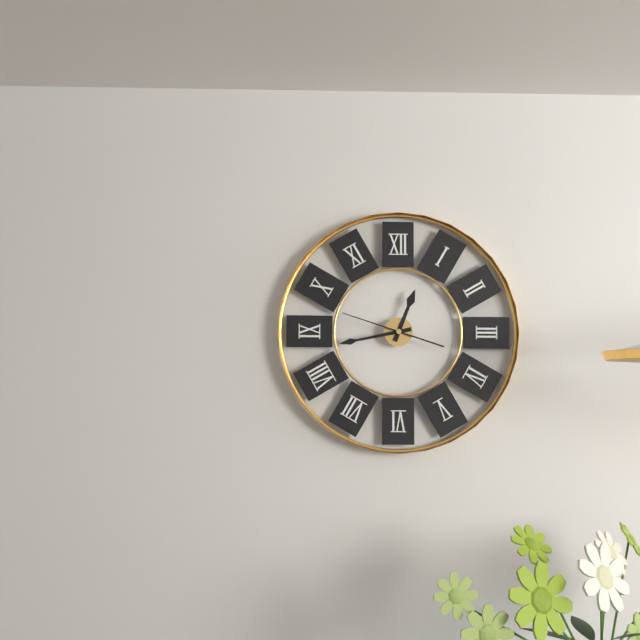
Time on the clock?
12:43:48
